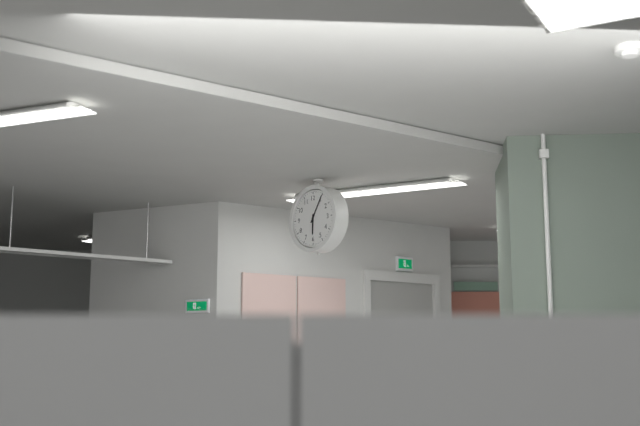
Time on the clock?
6:05
